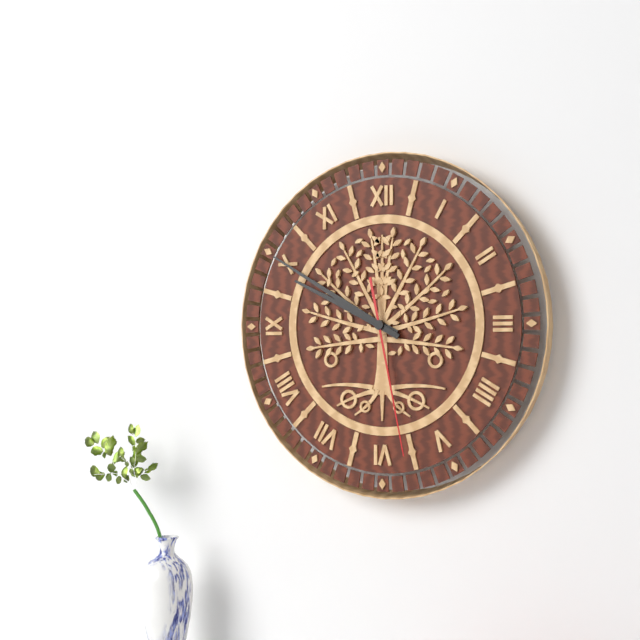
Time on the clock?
9:50:28
